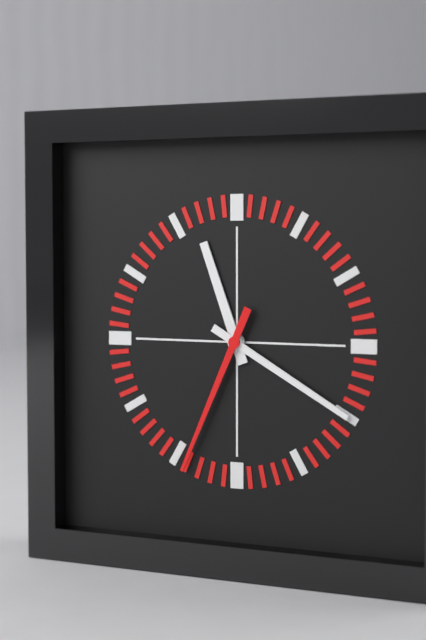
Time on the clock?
11:20:34
